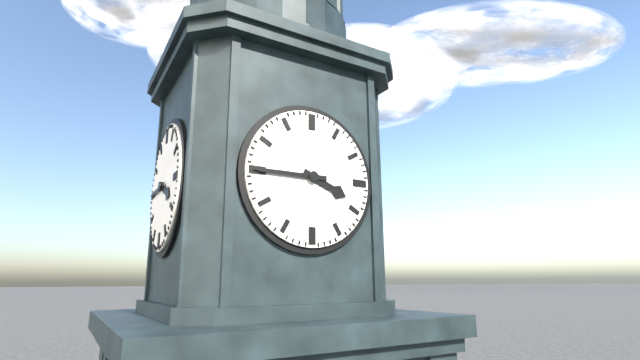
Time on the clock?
3:45
